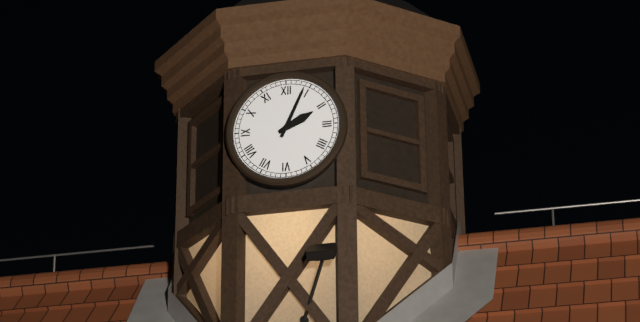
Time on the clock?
2:04
